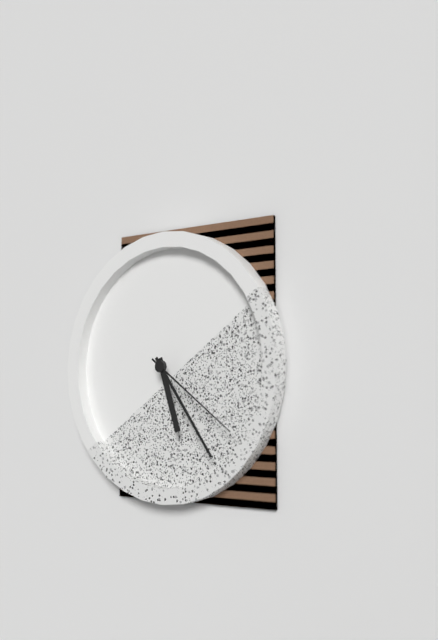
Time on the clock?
5:24:21
